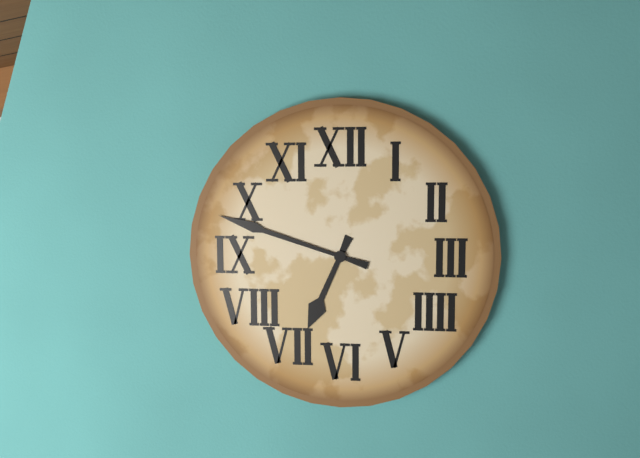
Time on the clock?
6:48
